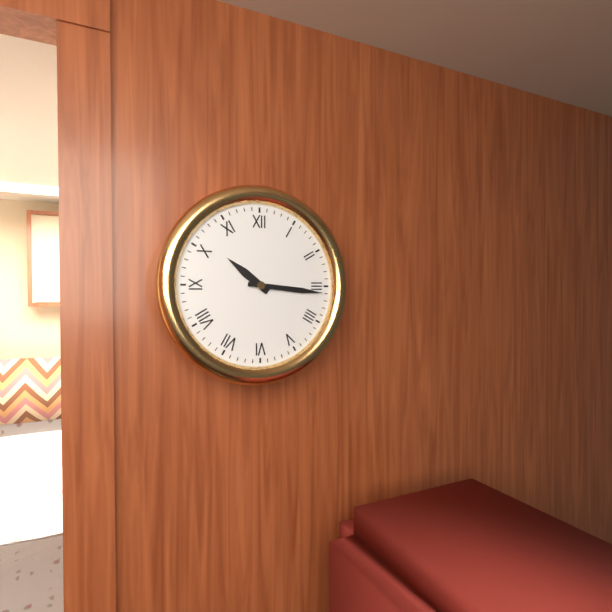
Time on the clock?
10:16
